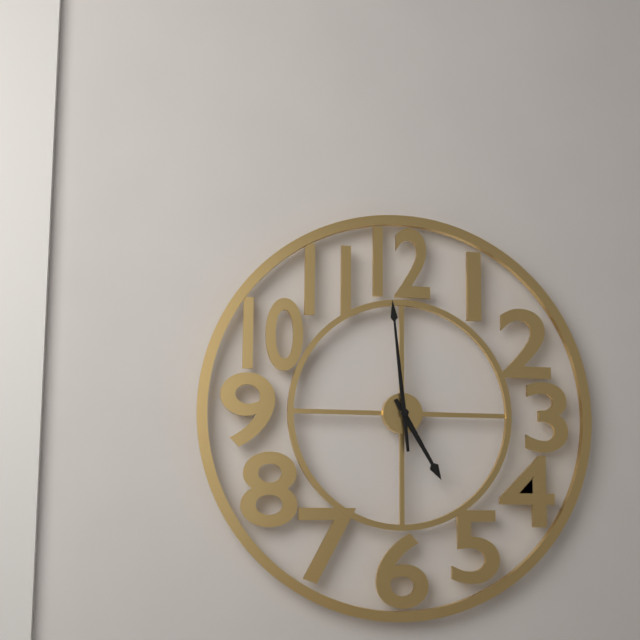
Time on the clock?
4:59
